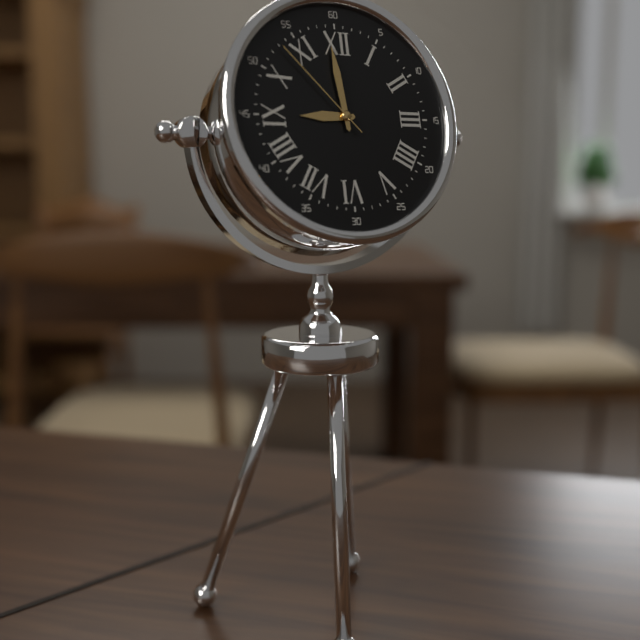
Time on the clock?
8:59:53
